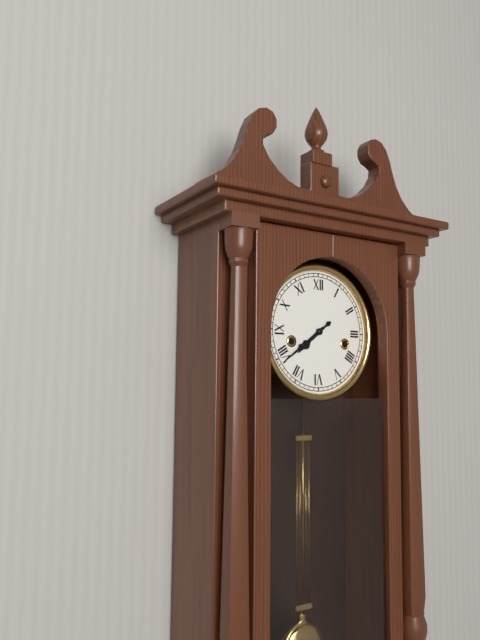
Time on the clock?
7:39
